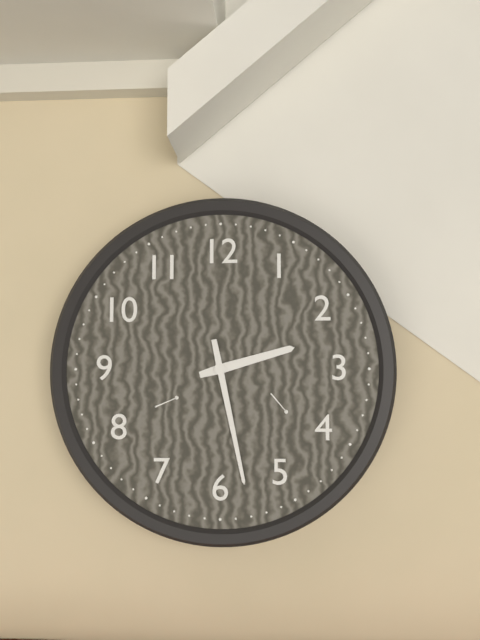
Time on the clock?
2:28
